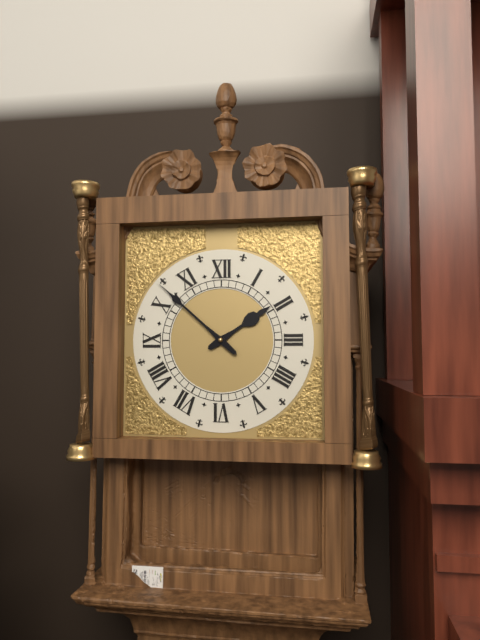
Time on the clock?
1:52
